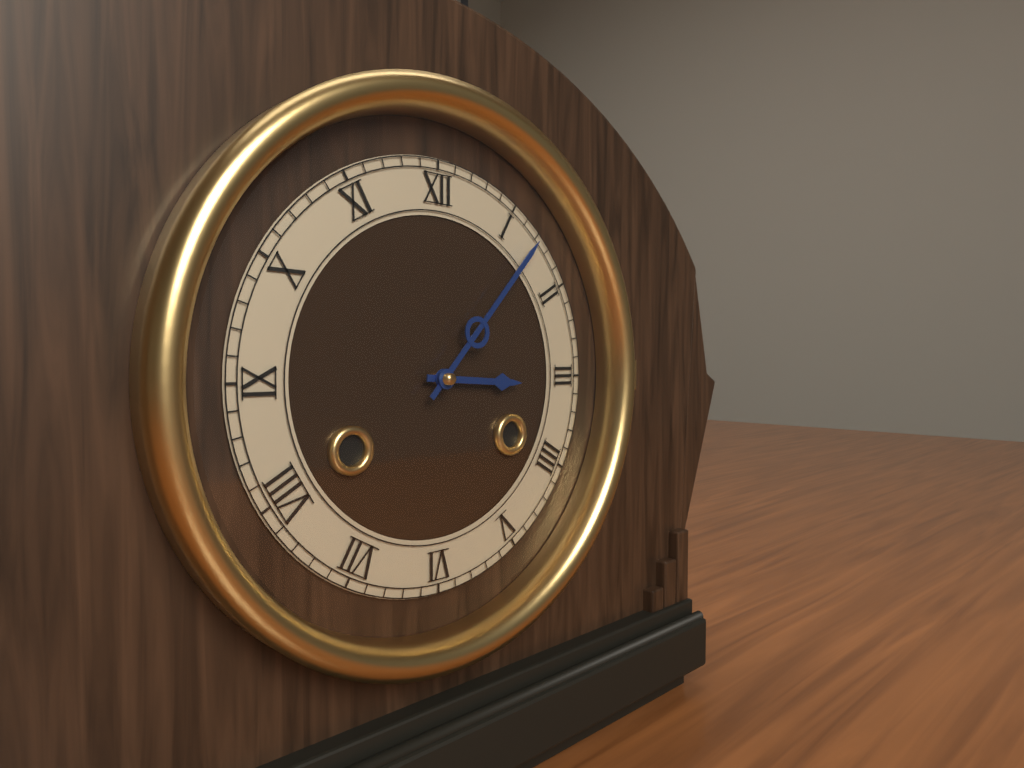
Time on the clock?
3:07
